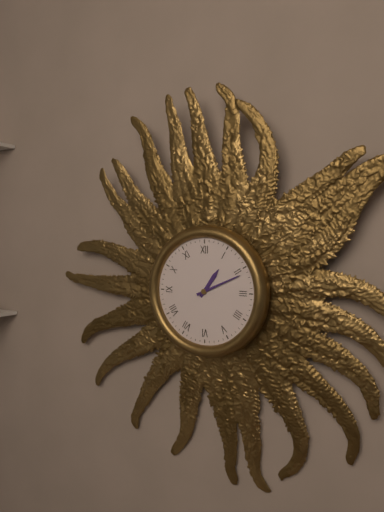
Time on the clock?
1:11
